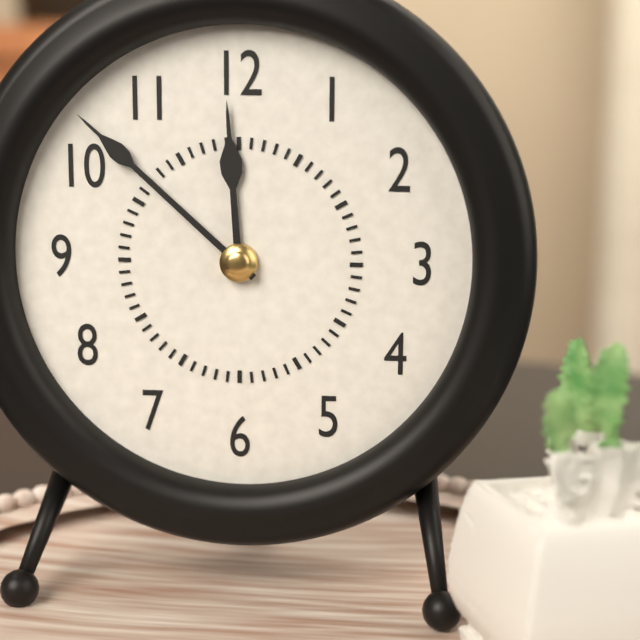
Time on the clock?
11:52
